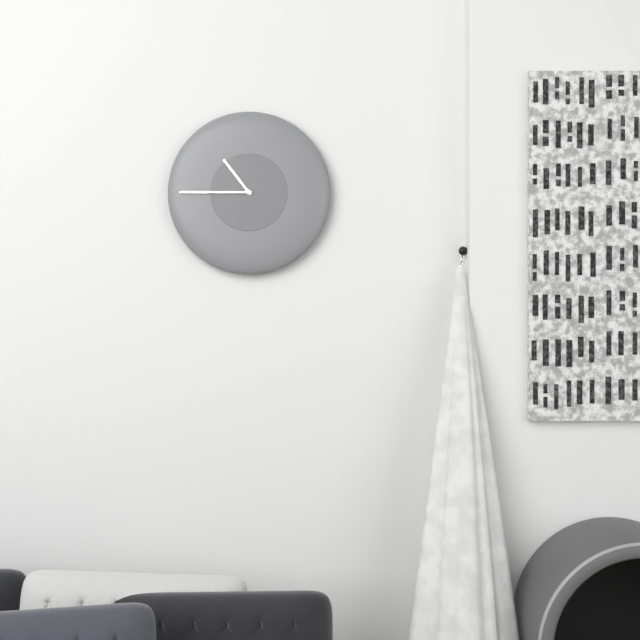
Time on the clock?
10:45
